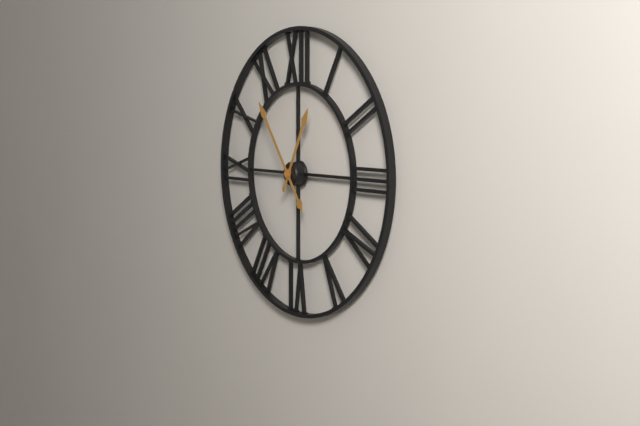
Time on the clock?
12:54
